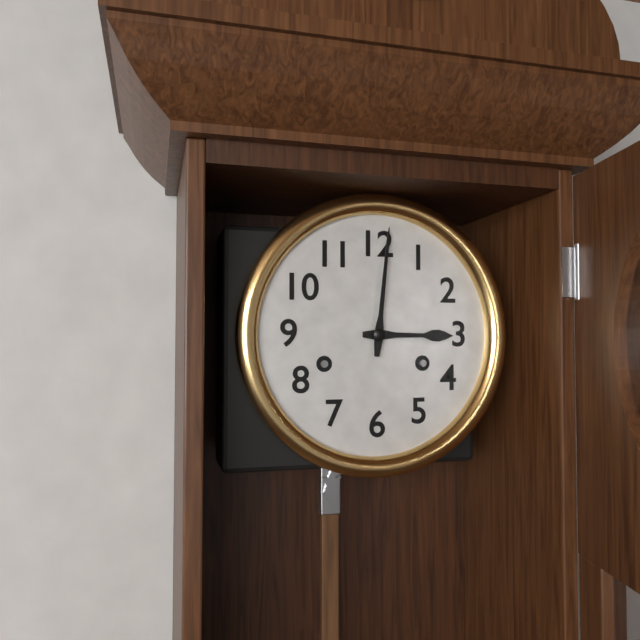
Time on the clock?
3:01
